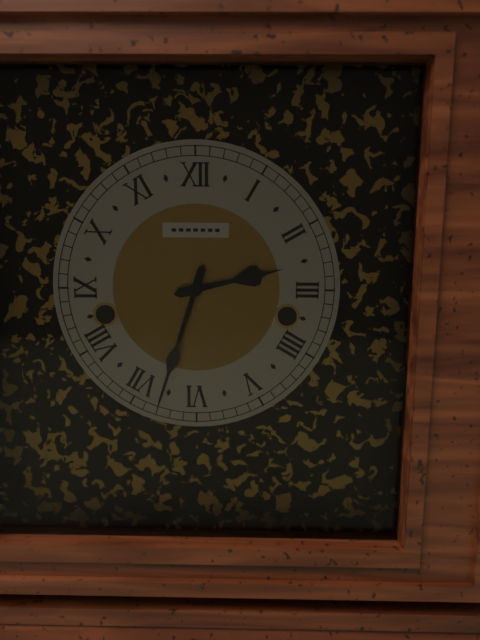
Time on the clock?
2:33
